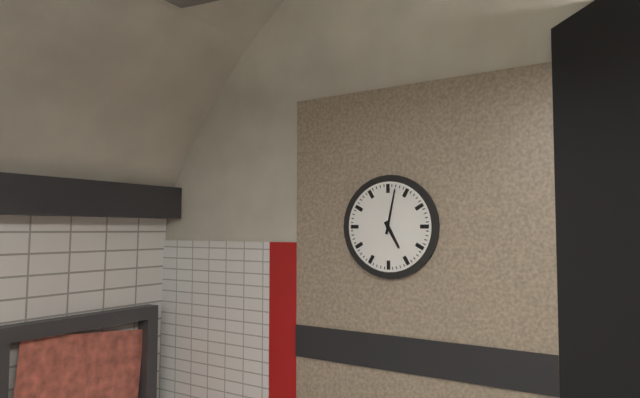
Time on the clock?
5:02
